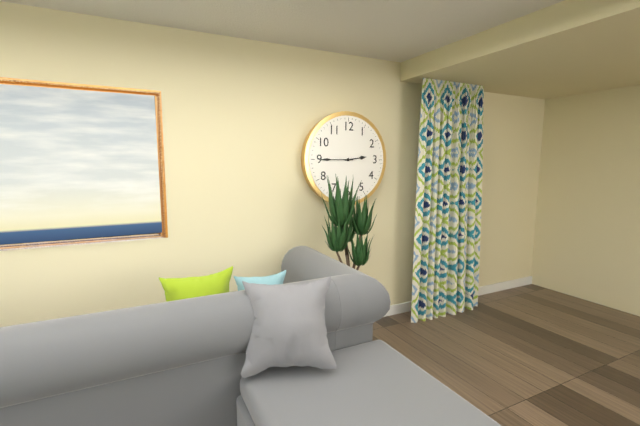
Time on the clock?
2:45
